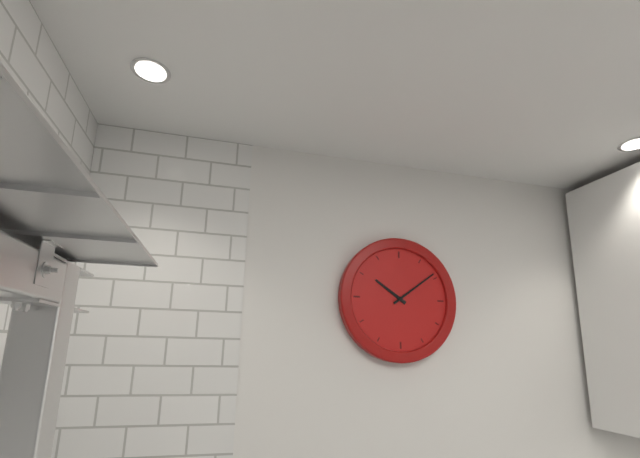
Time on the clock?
10:09
